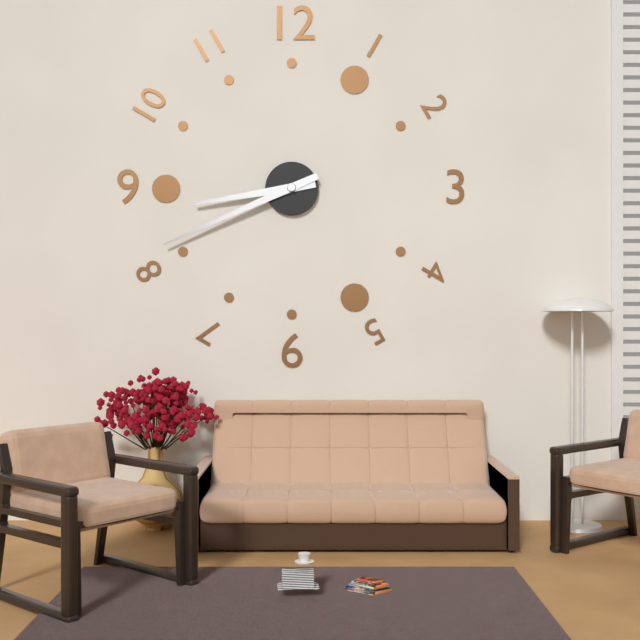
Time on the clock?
8:41
